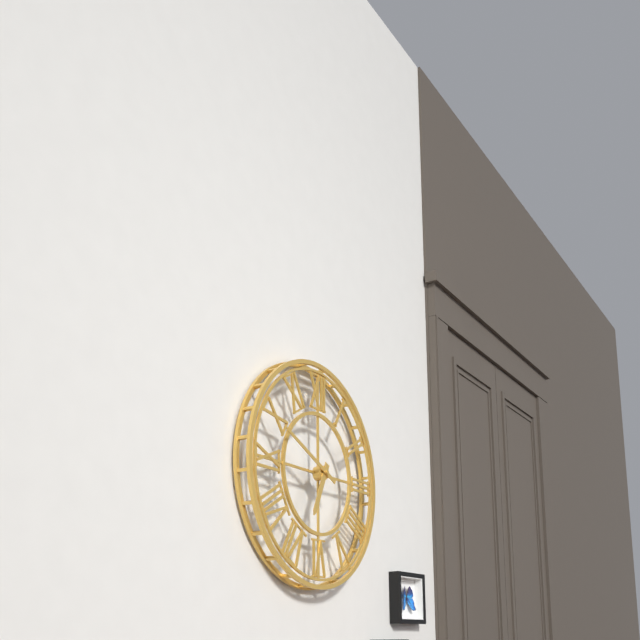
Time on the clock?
6:49
